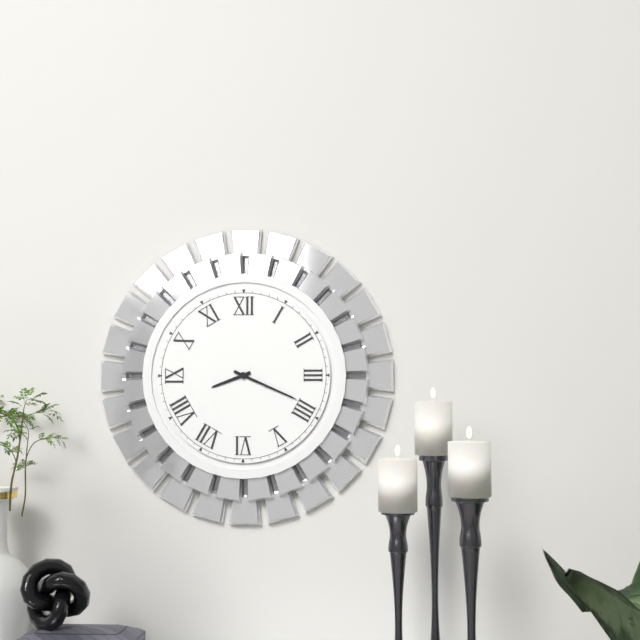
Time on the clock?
8:19
